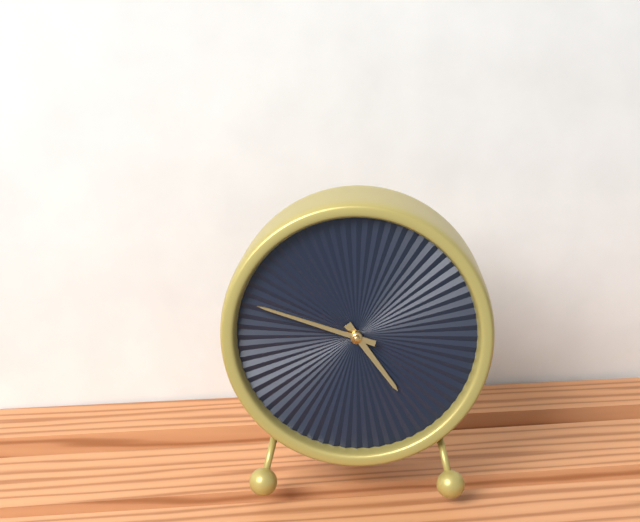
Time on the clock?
4:48
